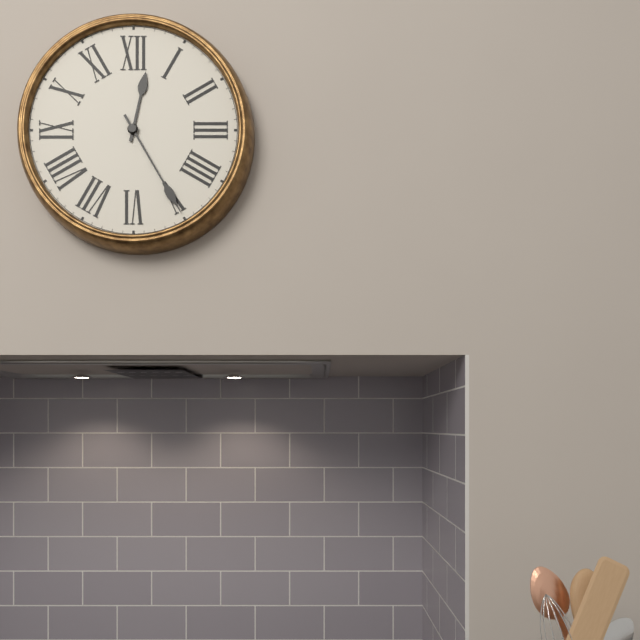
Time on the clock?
12:25
